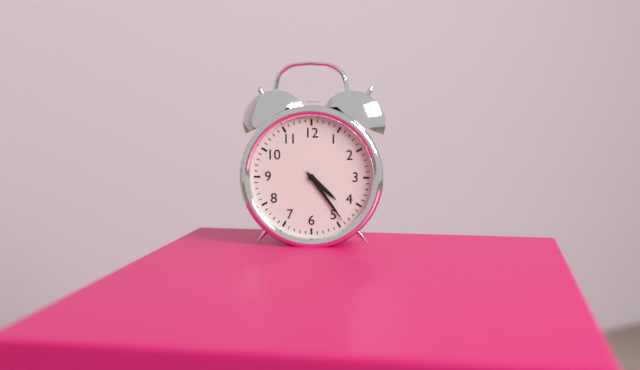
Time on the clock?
4:24
